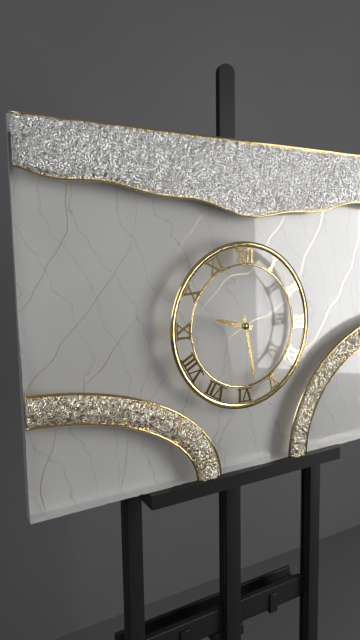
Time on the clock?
9:28
